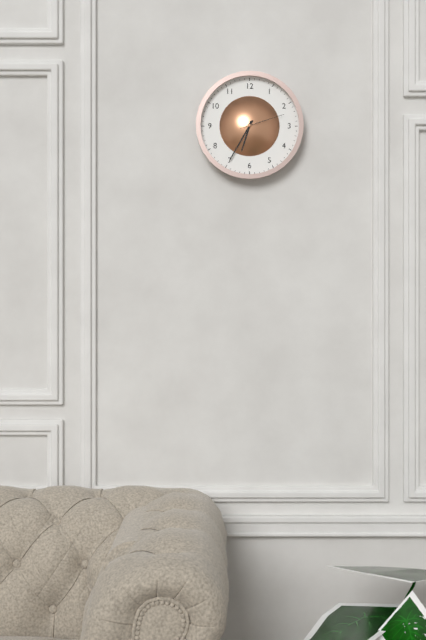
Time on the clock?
6:35
